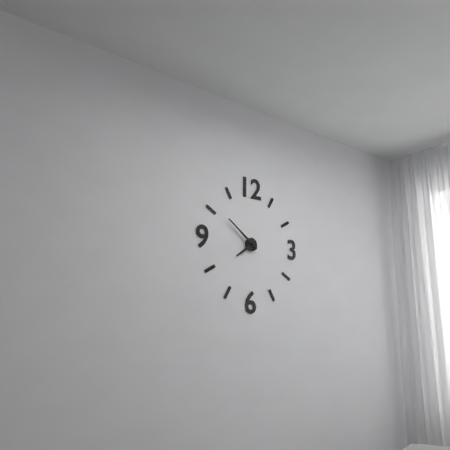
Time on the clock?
7:51
